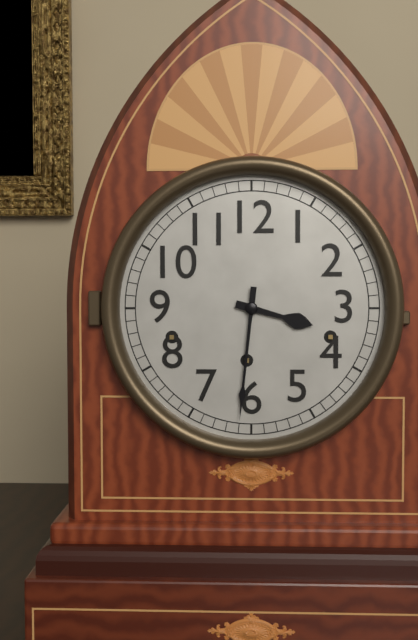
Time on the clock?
3:31
